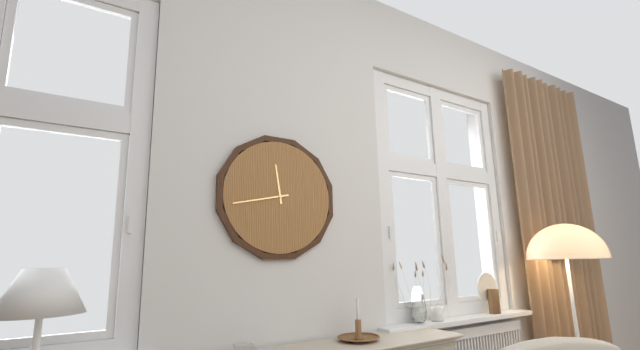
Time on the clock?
11:43
